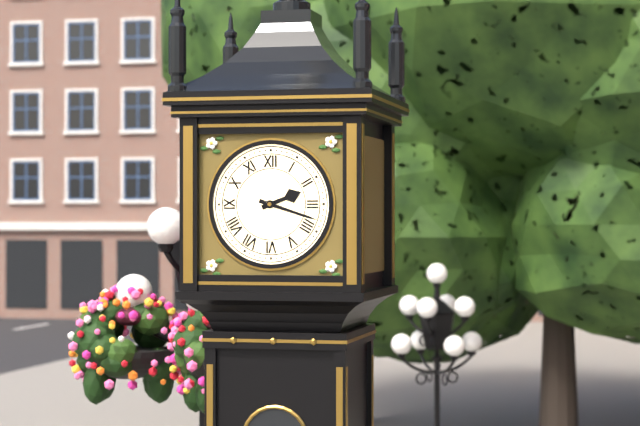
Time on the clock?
2:18
